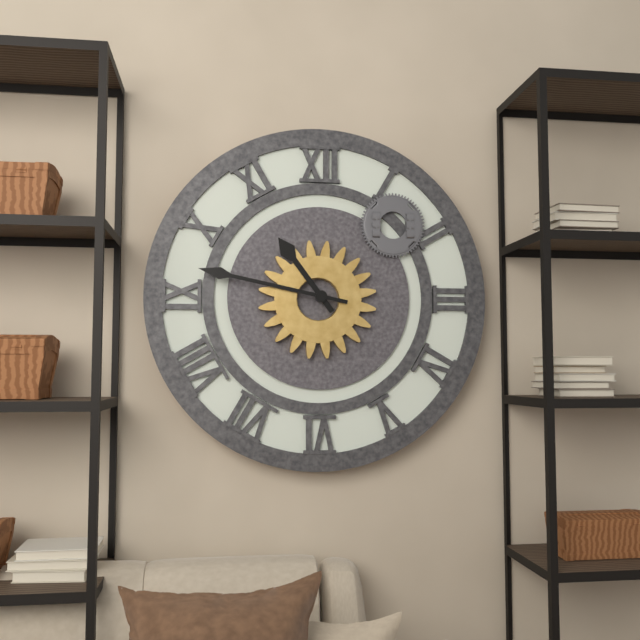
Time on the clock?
10:47
